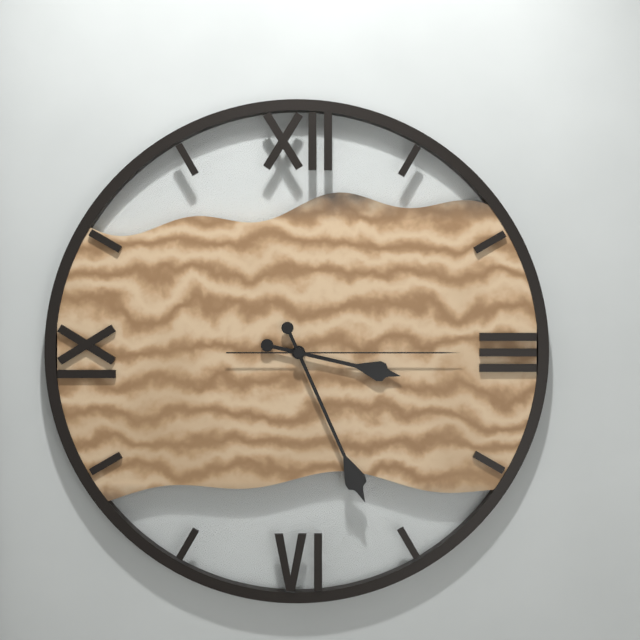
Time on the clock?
3:26:15
